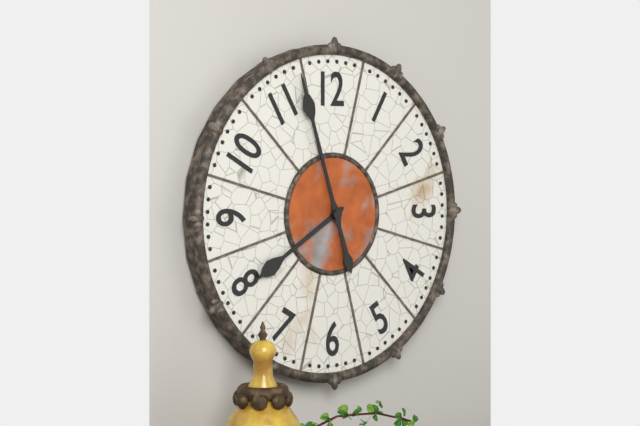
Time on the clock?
7:57
